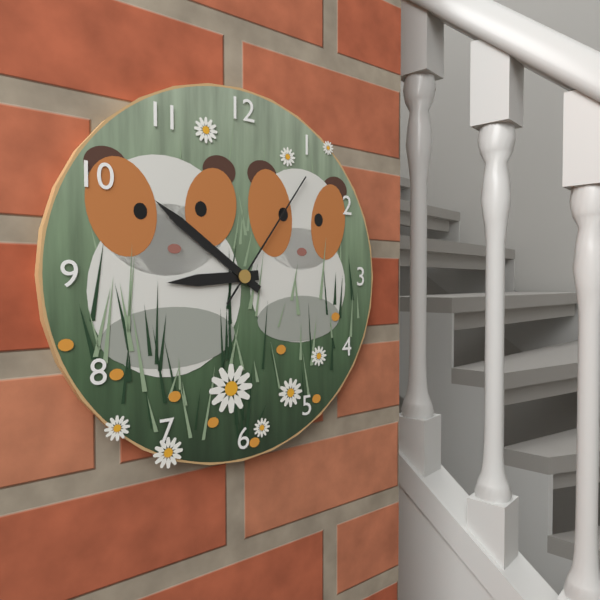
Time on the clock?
8:51:06
